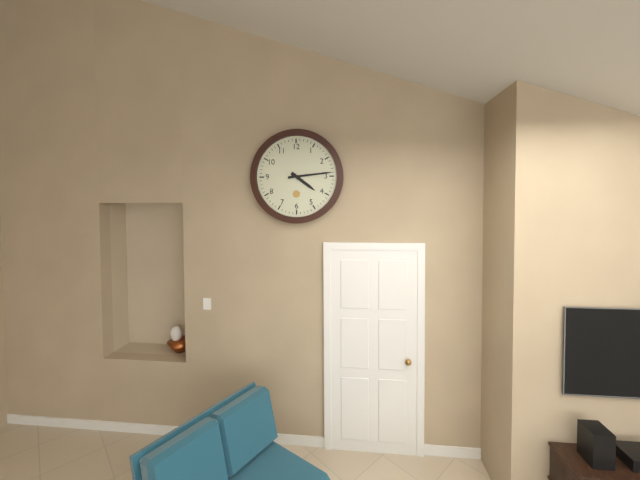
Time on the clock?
4:14
